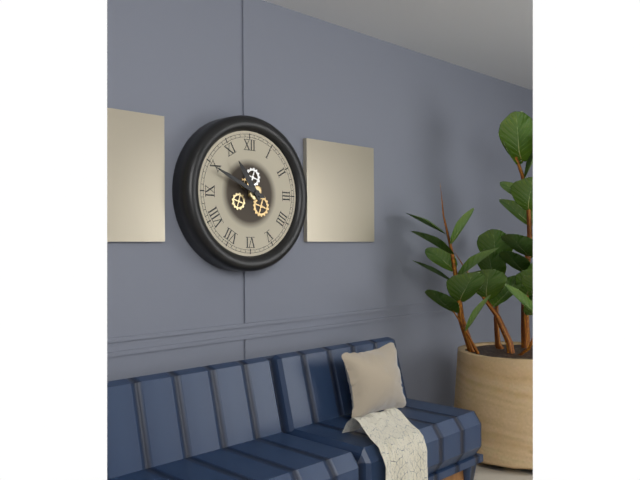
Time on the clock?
10:49
